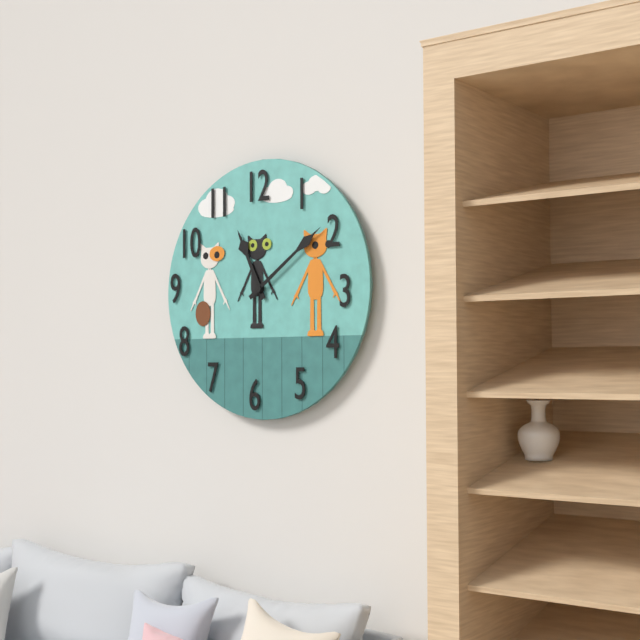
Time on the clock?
11:09
